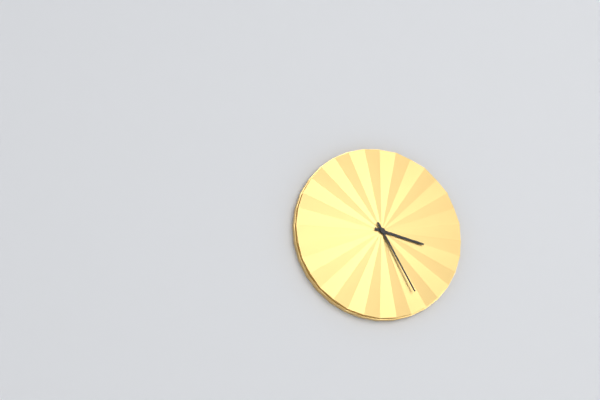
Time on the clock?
3:25
